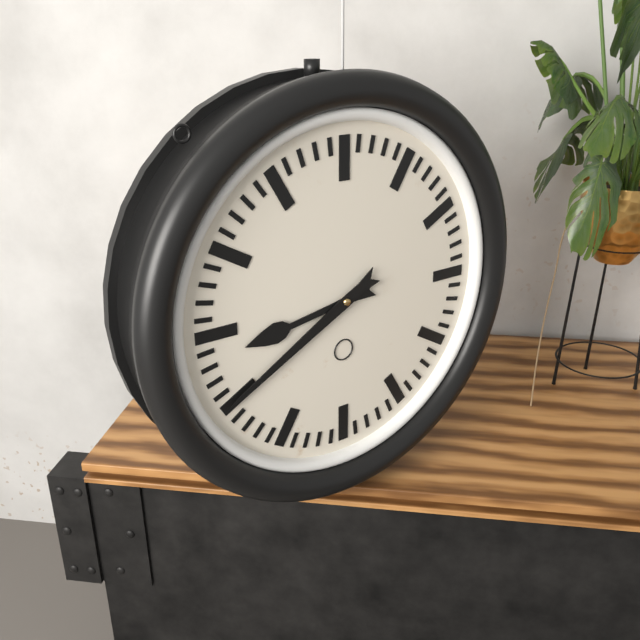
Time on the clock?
8:40
